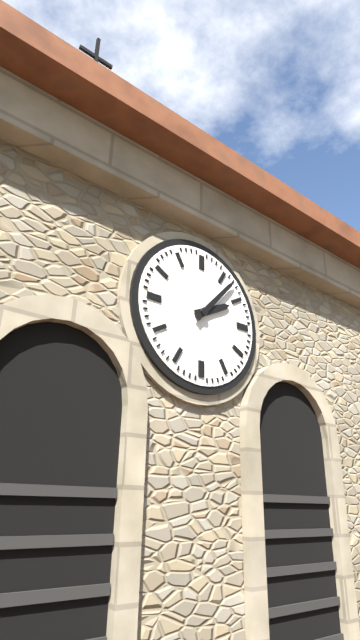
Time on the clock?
2:07
